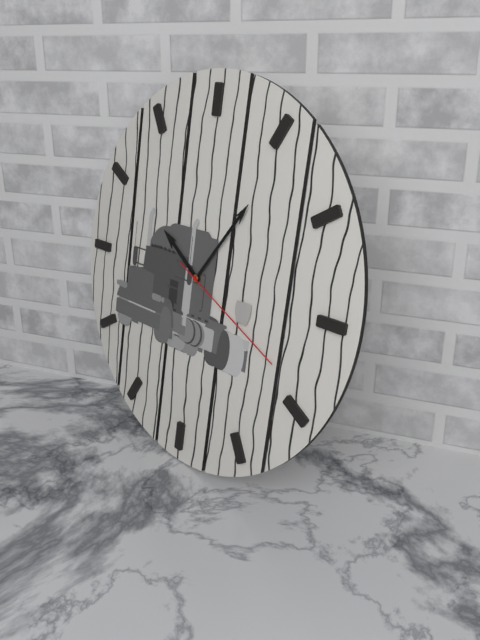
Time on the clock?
10:06:19
